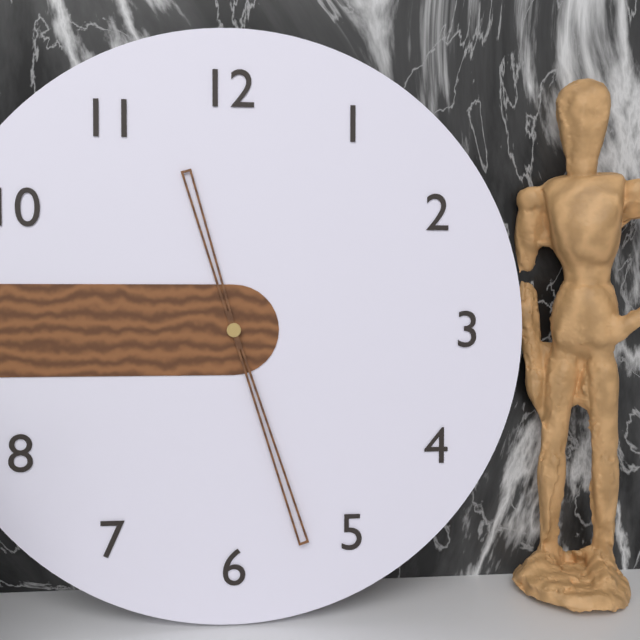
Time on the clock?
11:27
